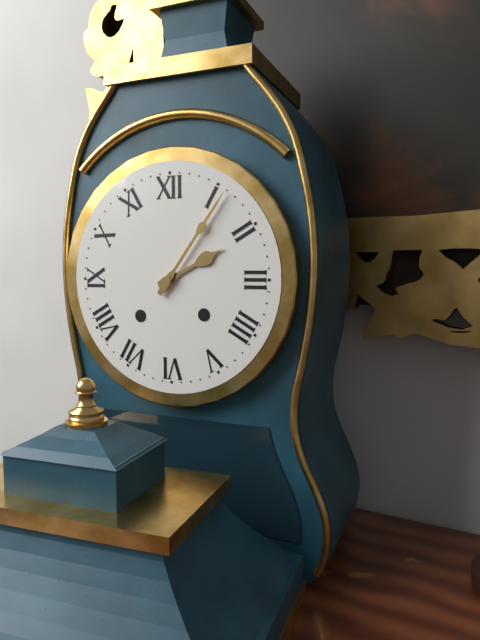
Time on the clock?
2:06
